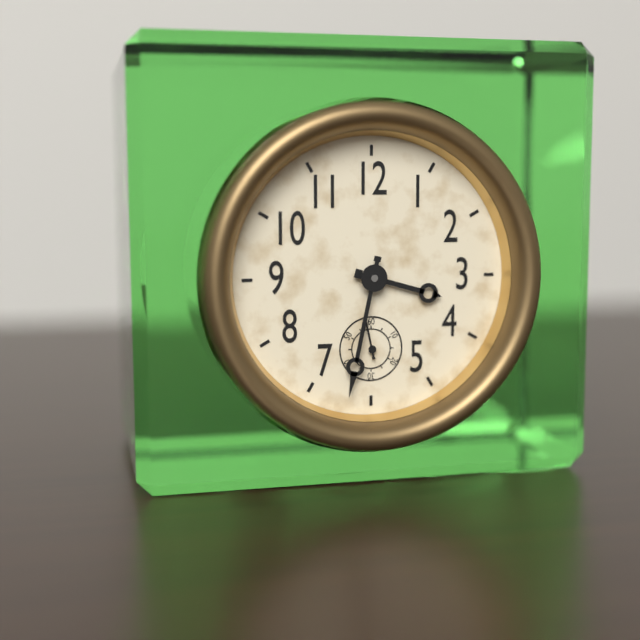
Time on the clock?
3:32
